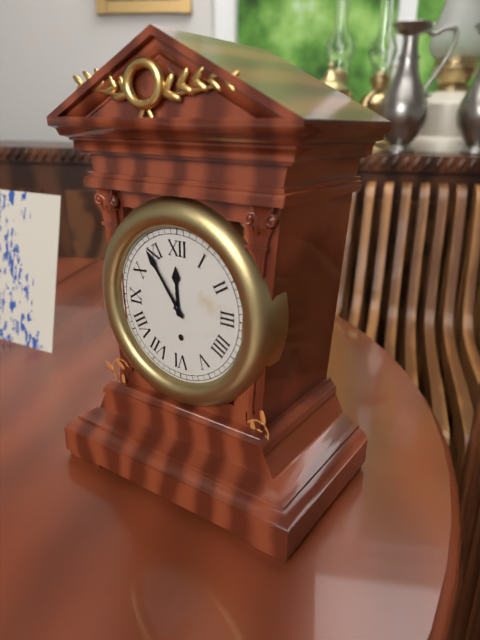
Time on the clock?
11:54
